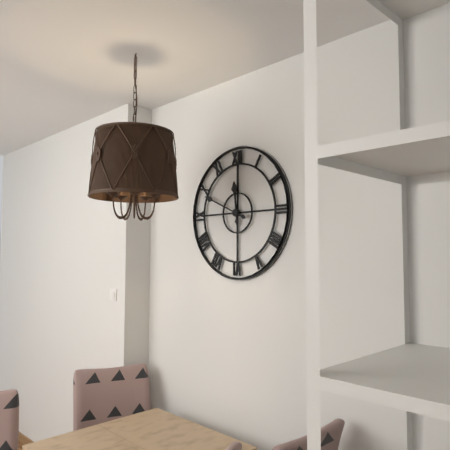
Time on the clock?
11:49
